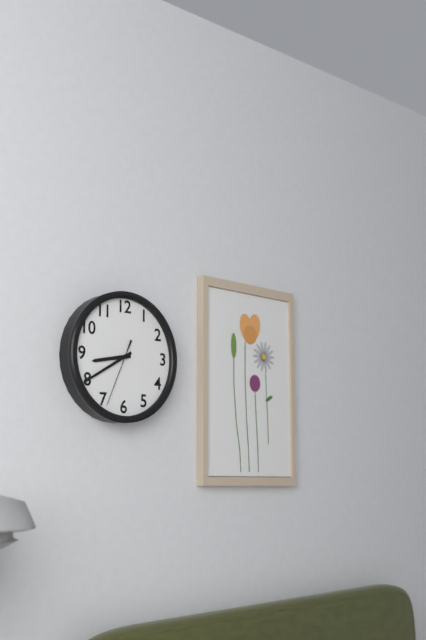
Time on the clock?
8:40:34
